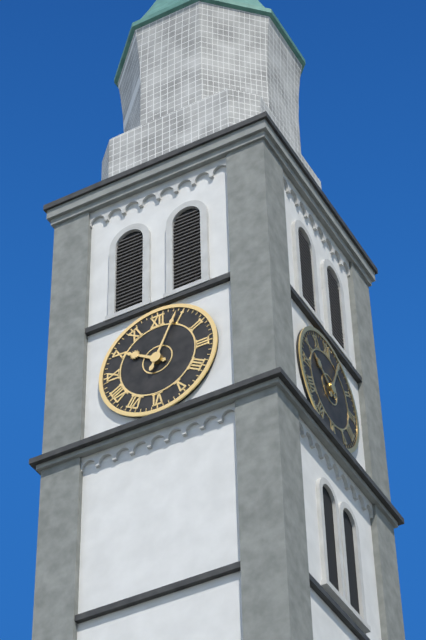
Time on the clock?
10:04
